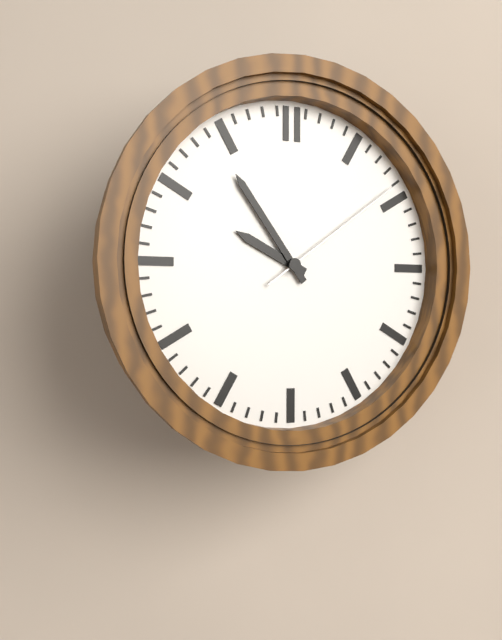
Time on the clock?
9:54:09
